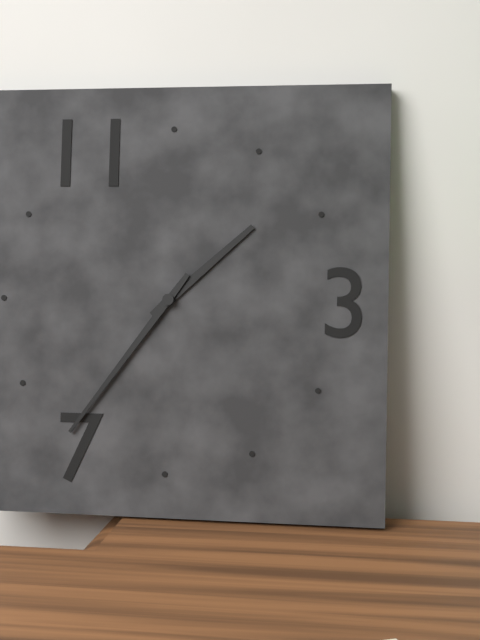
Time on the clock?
1:36
